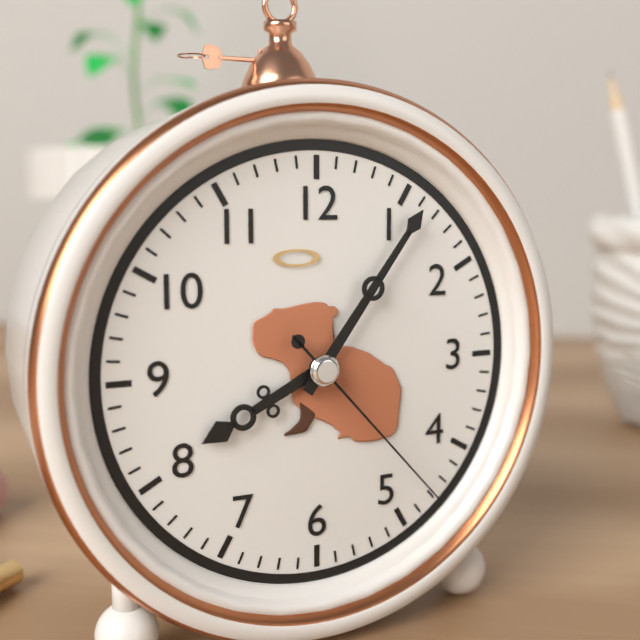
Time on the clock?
8:06:23
